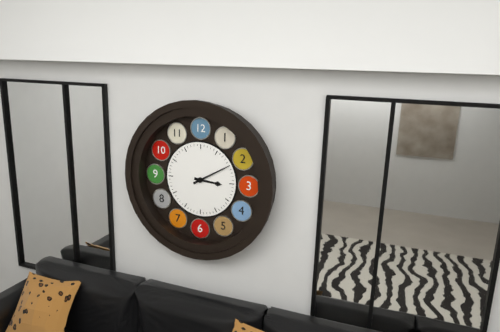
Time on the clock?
3:10
